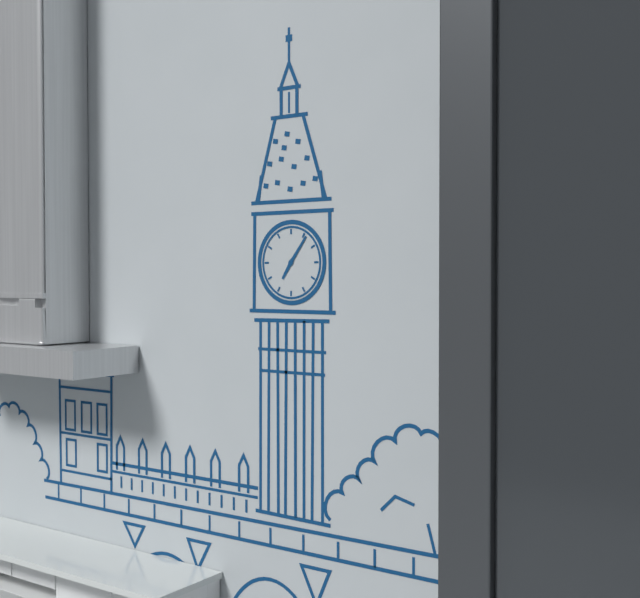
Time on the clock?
7:06
